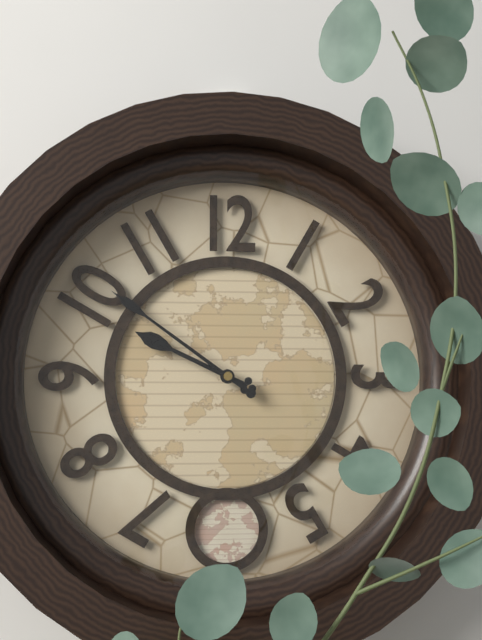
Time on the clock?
9:51
